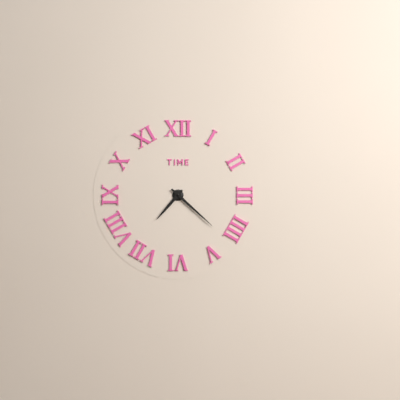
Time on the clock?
7:22
